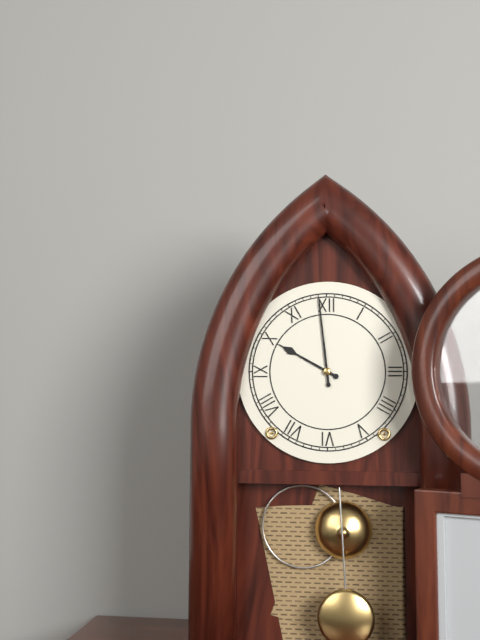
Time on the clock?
9:59
